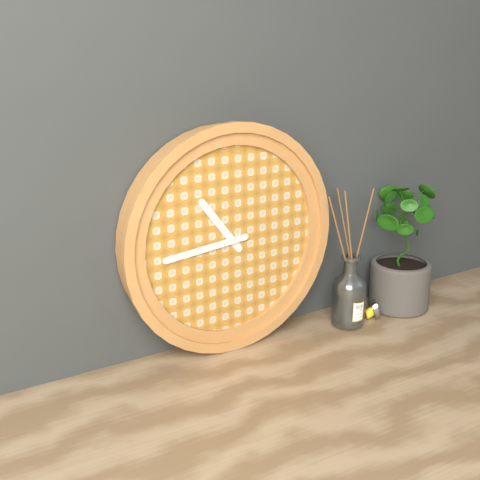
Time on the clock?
10:44
